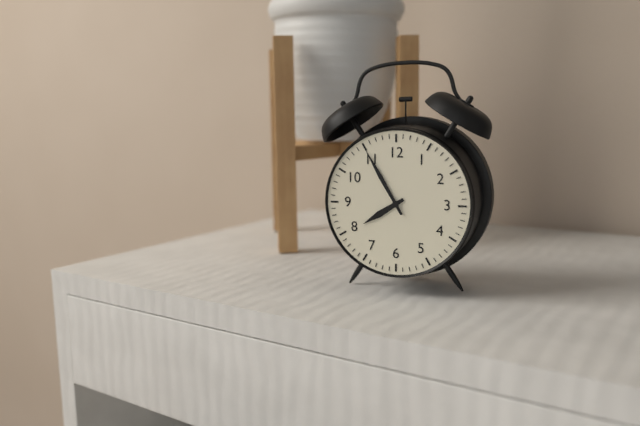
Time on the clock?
7:55
